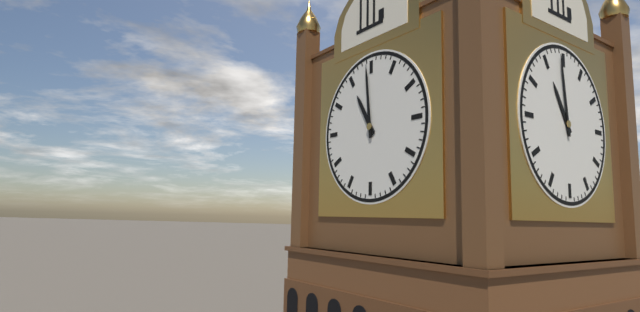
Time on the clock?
10:59
